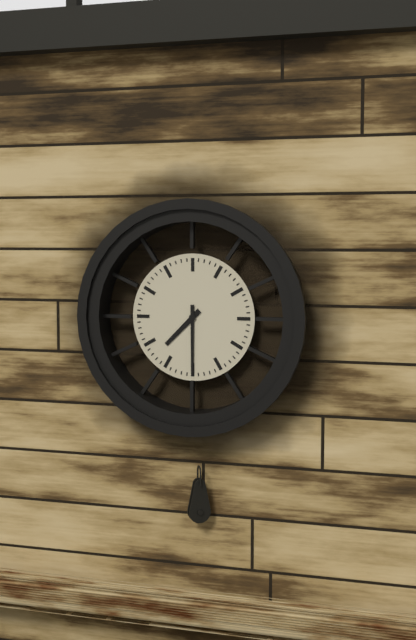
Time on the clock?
7:30
